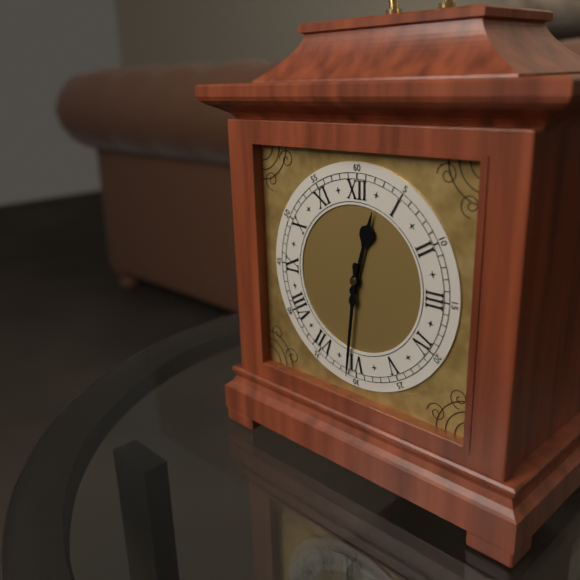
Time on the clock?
12:31
